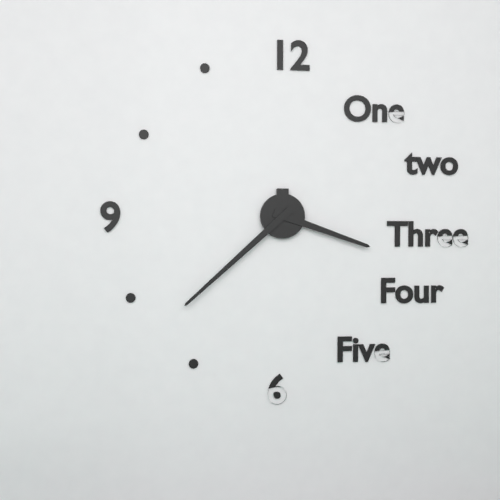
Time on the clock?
3:38
